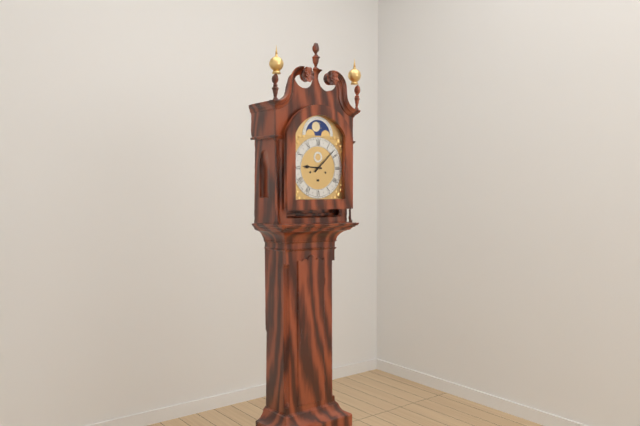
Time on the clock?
9:08
